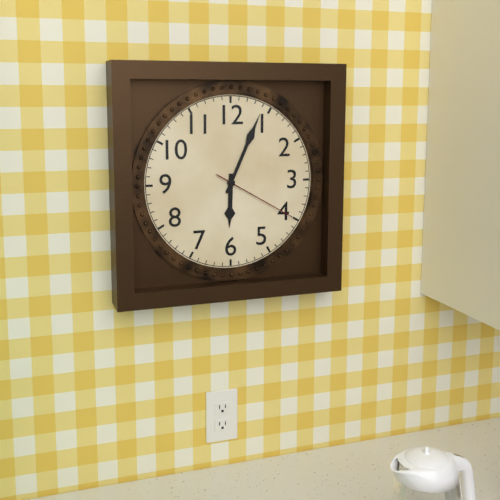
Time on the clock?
6:04:20
